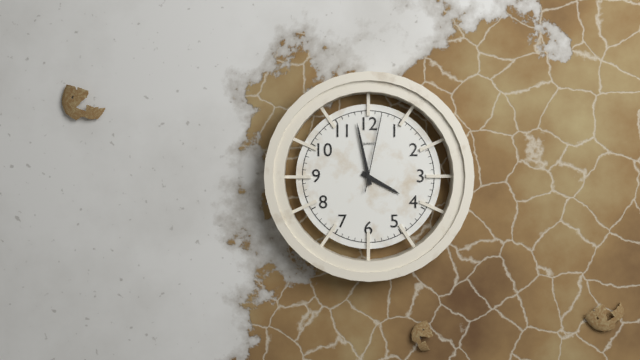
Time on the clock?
3:58:02
